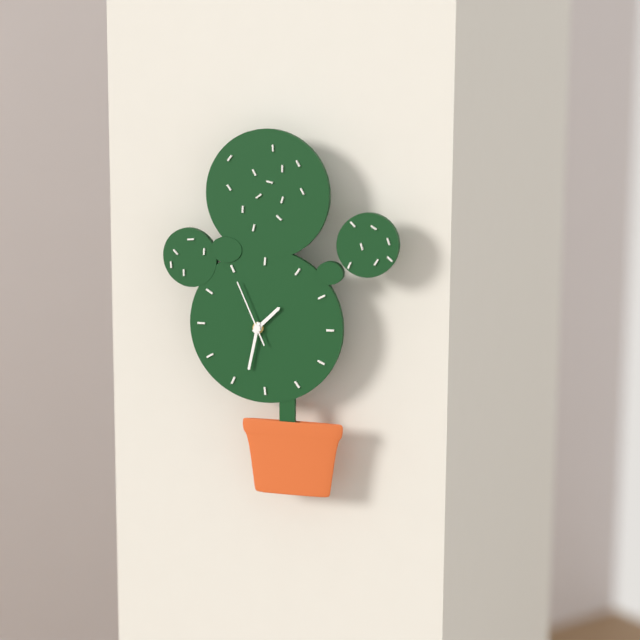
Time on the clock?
1:32:56
